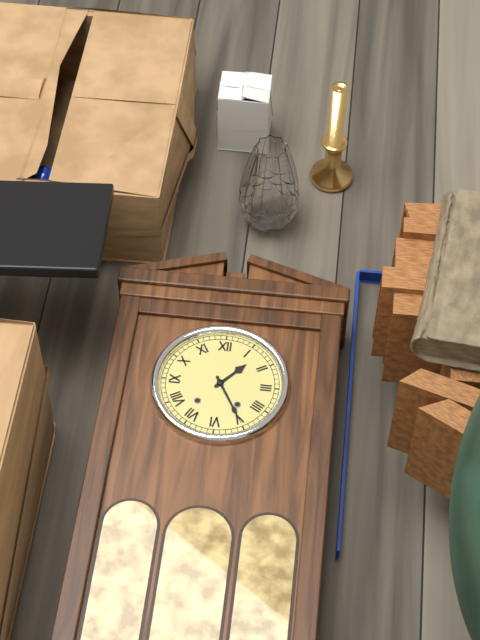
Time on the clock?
1:25
